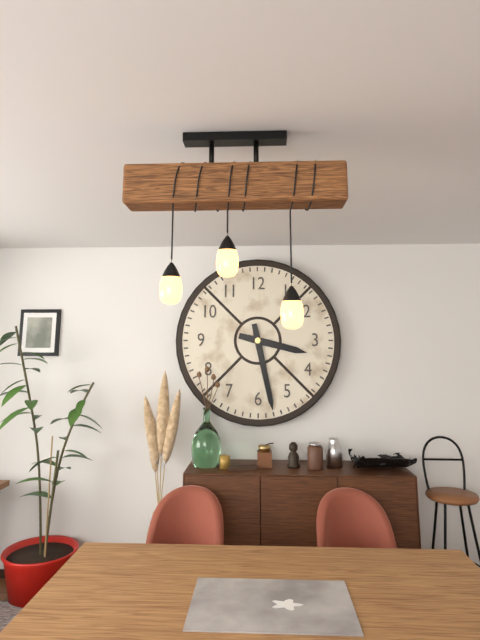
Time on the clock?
3:28
